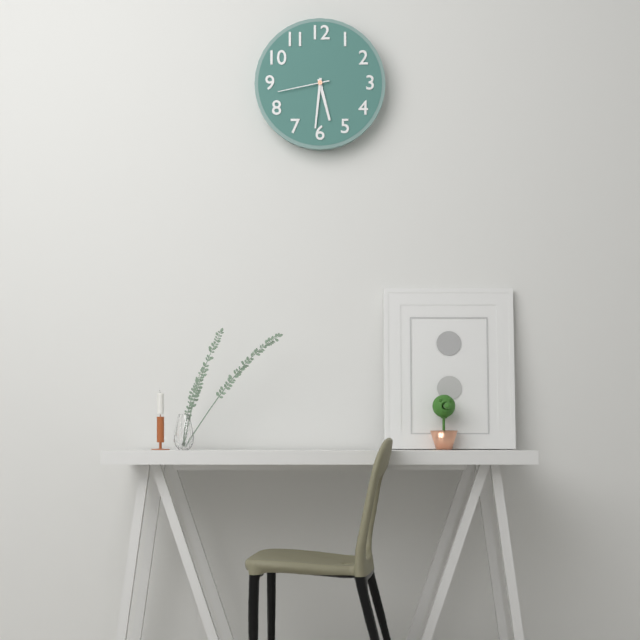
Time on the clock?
5:31:43
